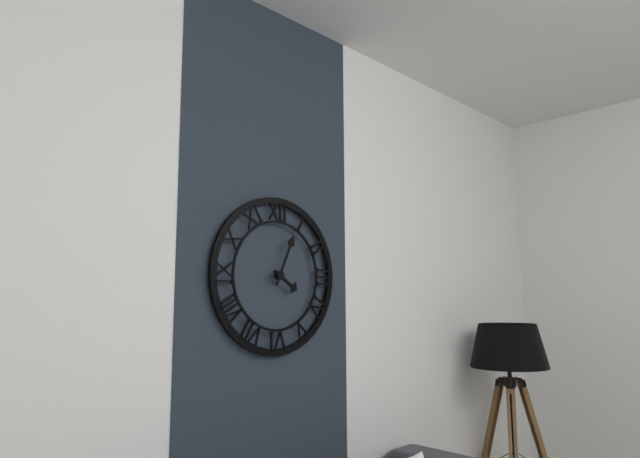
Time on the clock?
4:04
